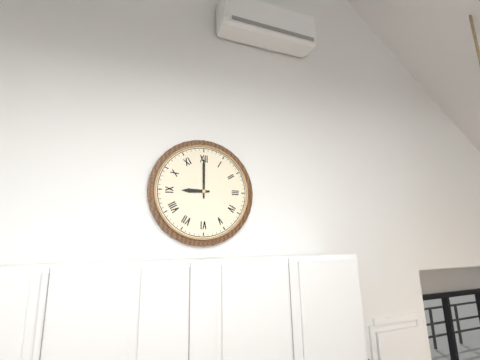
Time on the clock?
9:00
